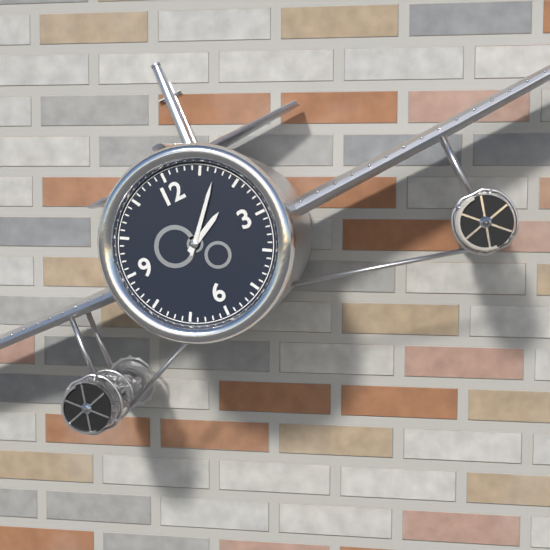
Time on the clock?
2:07
